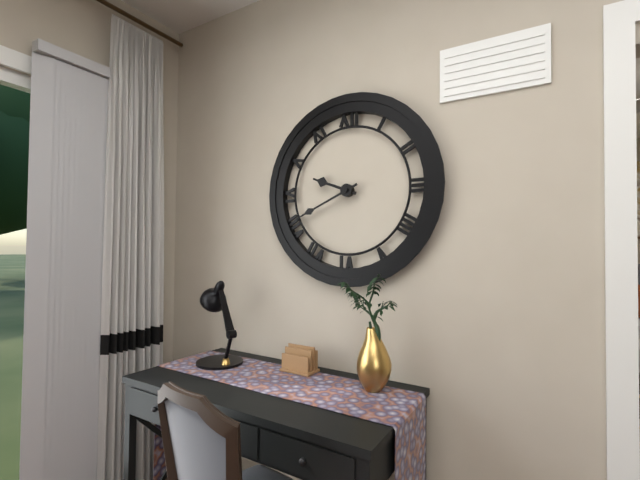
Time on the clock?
9:41
